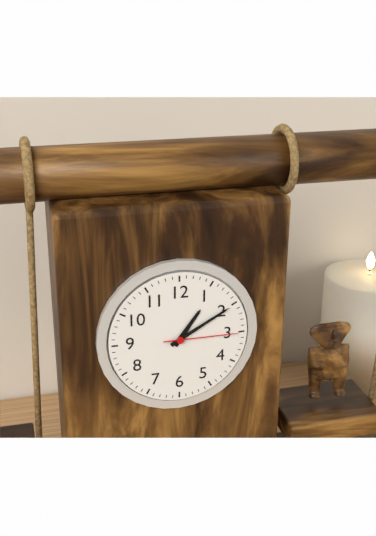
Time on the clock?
1:10:15
